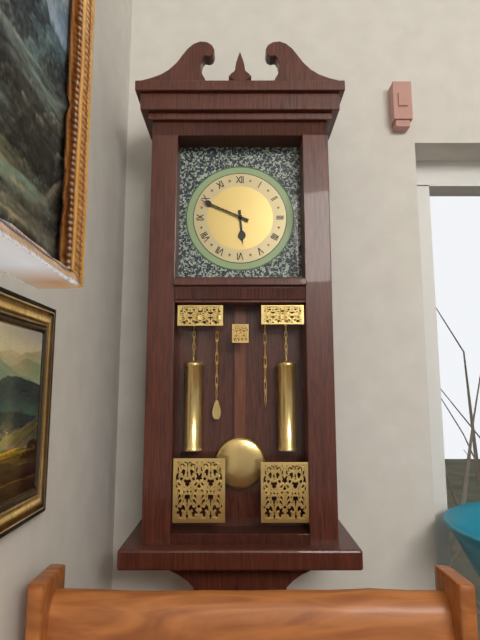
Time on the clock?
5:49
